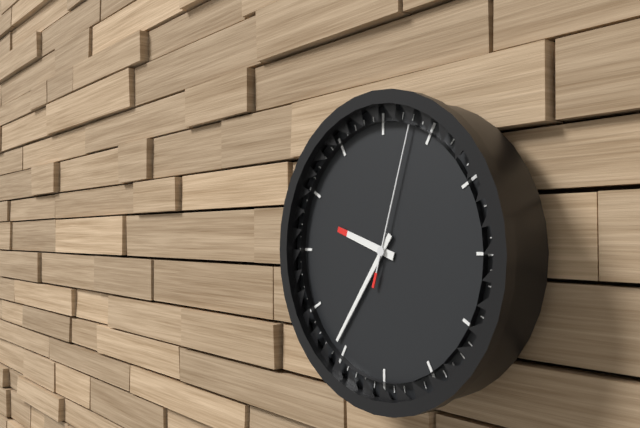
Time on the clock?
9:36:03
